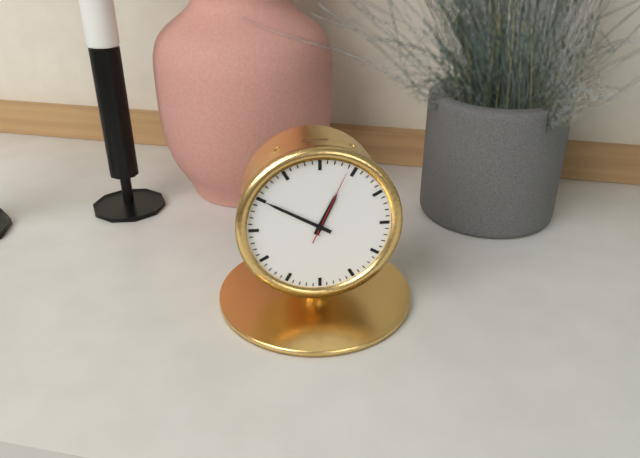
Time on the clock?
12:50:04
